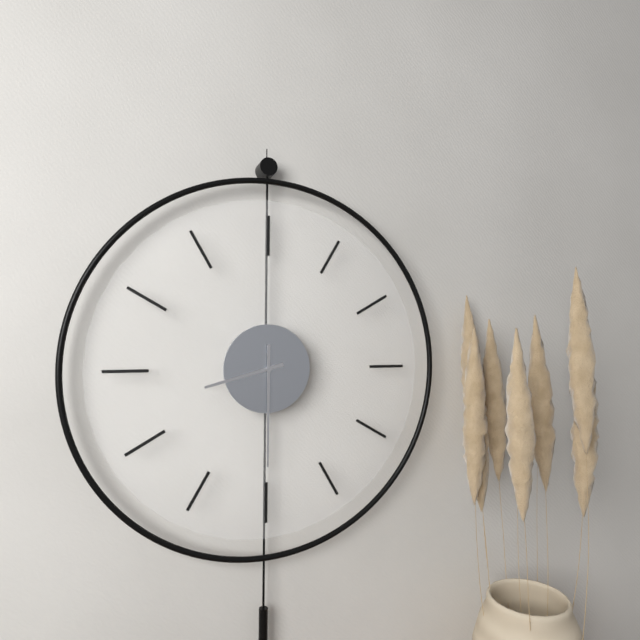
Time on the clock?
8:30
